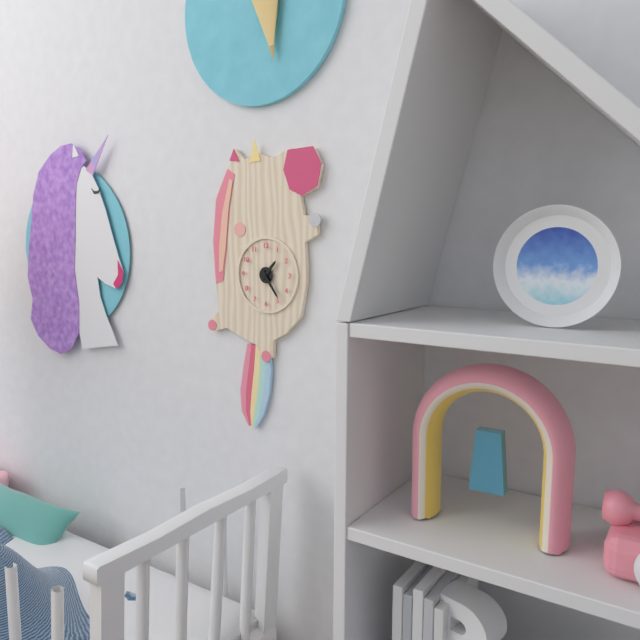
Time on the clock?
1:24
